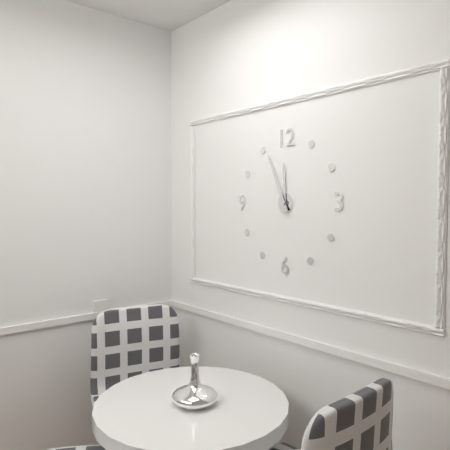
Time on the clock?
11:56
